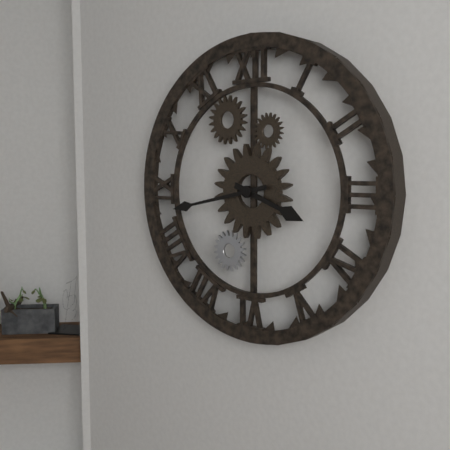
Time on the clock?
3:43
